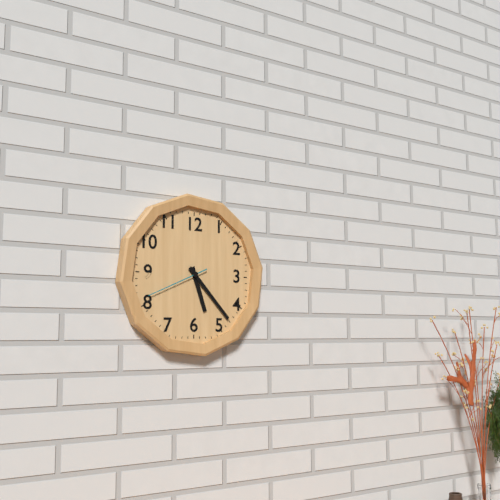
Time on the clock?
5:23:41
